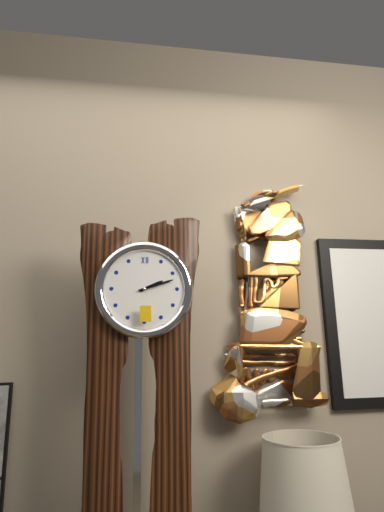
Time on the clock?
2:12
